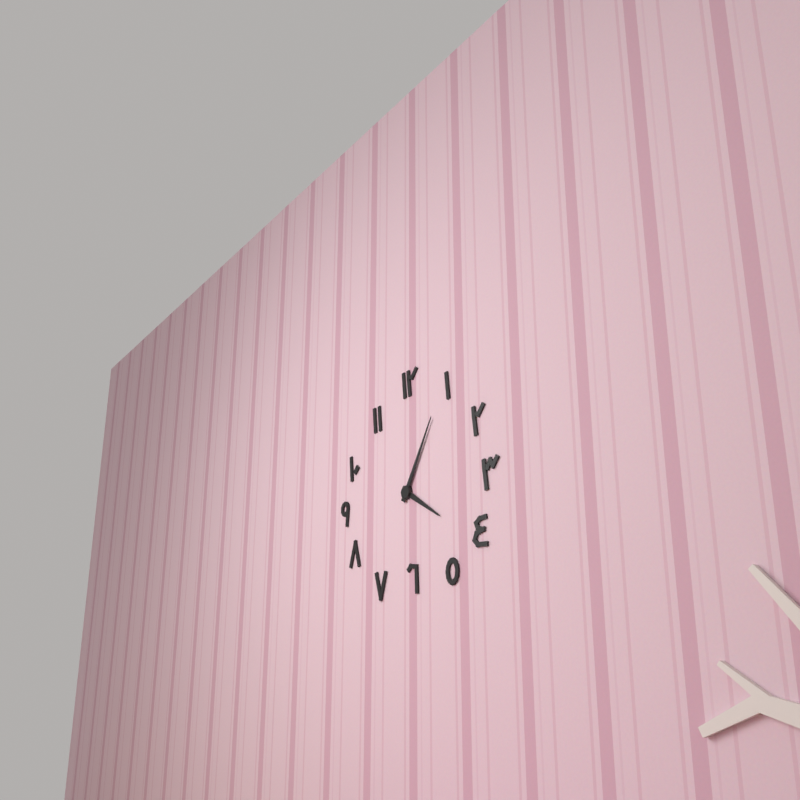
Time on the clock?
4:05
